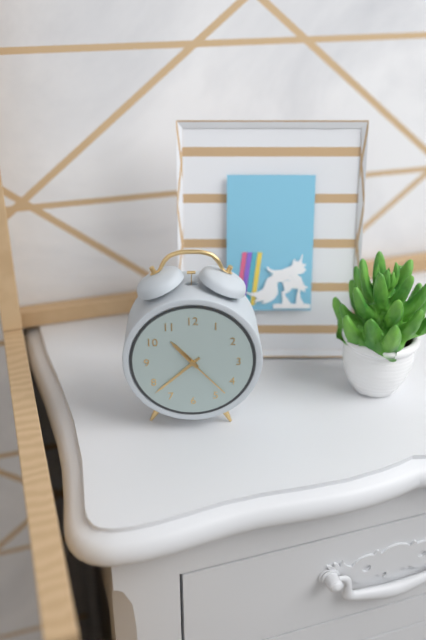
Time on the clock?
10:38:23
